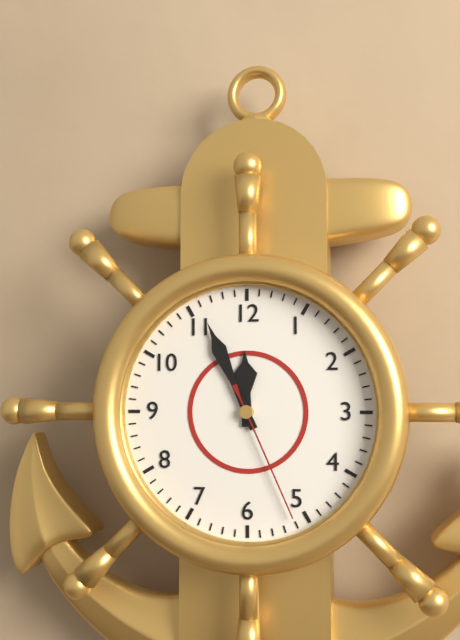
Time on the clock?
11:56:26
